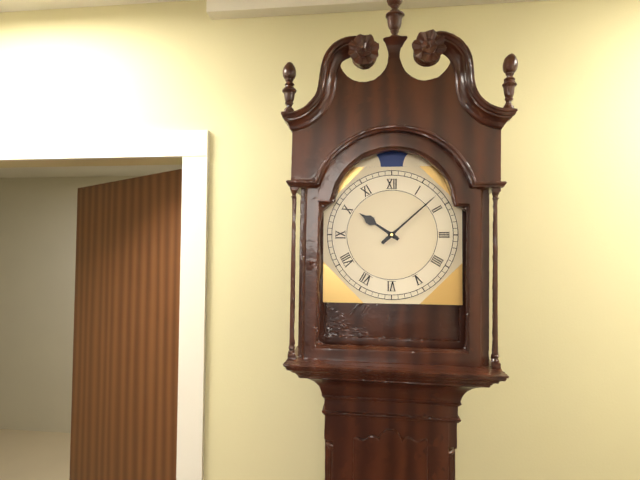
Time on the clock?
10:08
